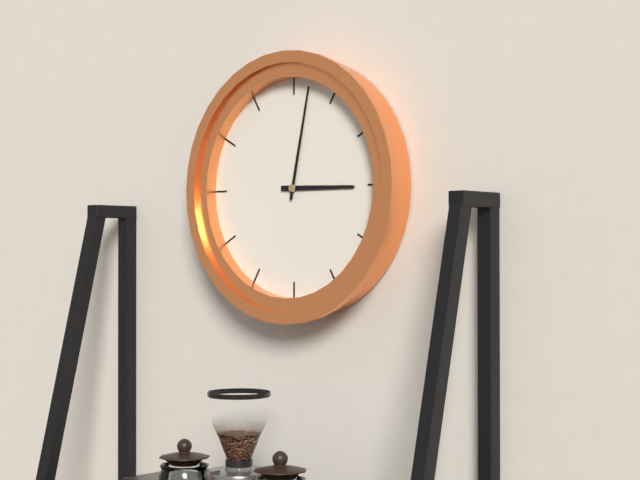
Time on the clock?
3:02
